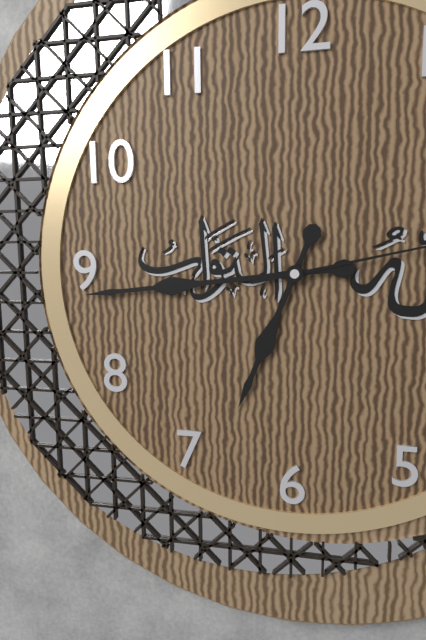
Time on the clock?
6:44
